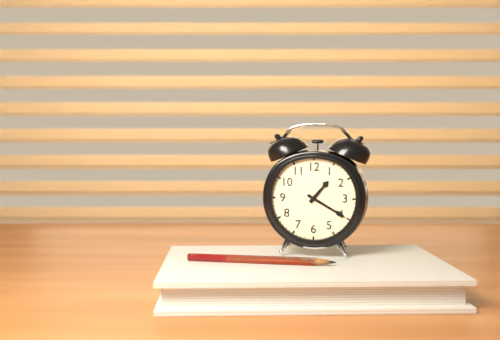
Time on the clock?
1:20
